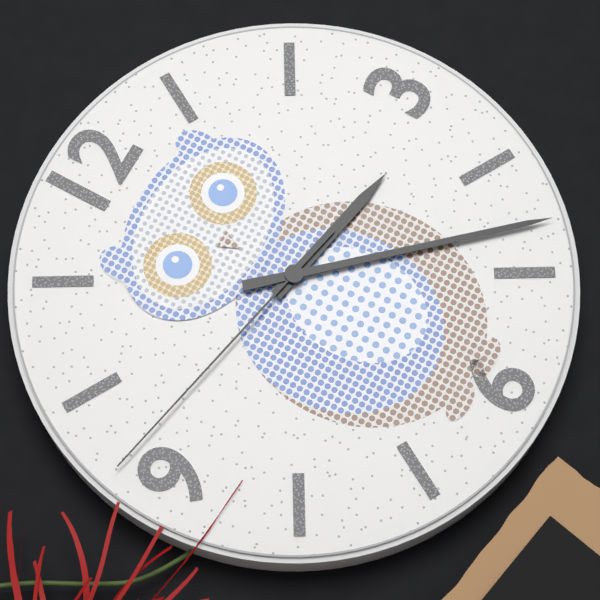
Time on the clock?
3:23:47
